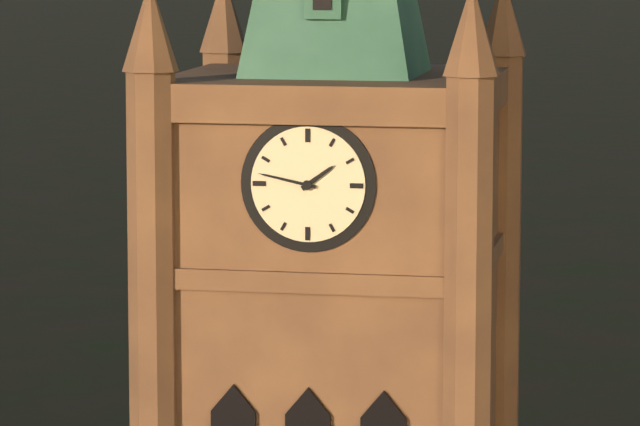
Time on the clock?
1:47
